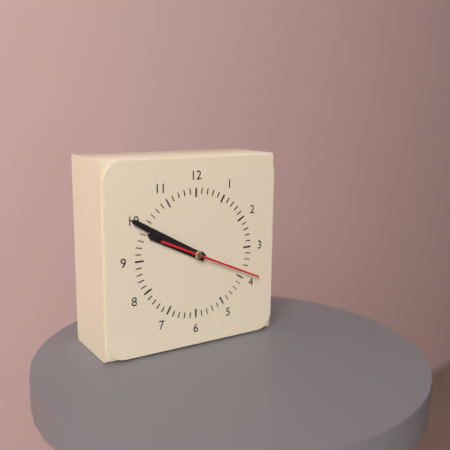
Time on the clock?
9:50:19
